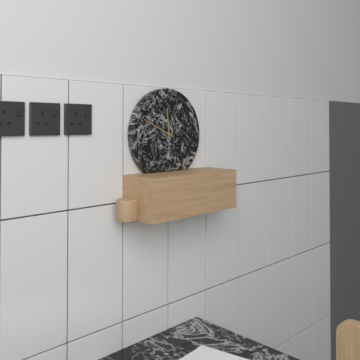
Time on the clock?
11:49
